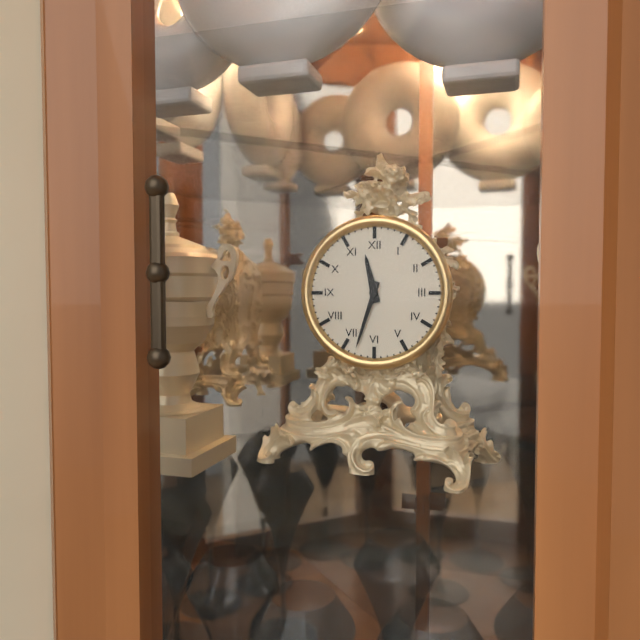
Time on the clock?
11:33
